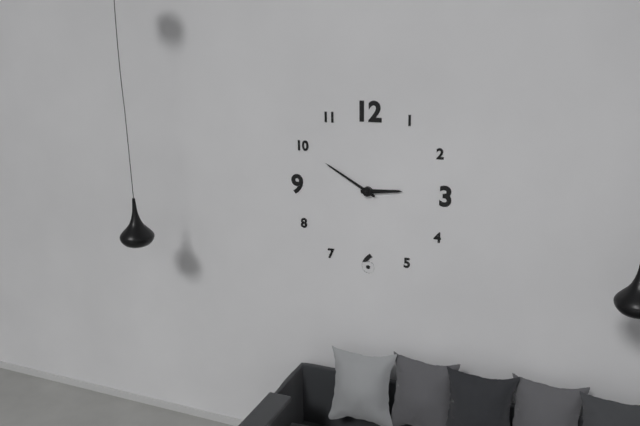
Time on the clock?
2:50
